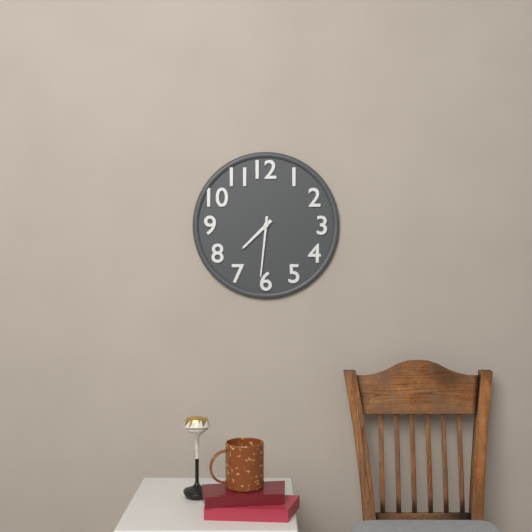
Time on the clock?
7:31
